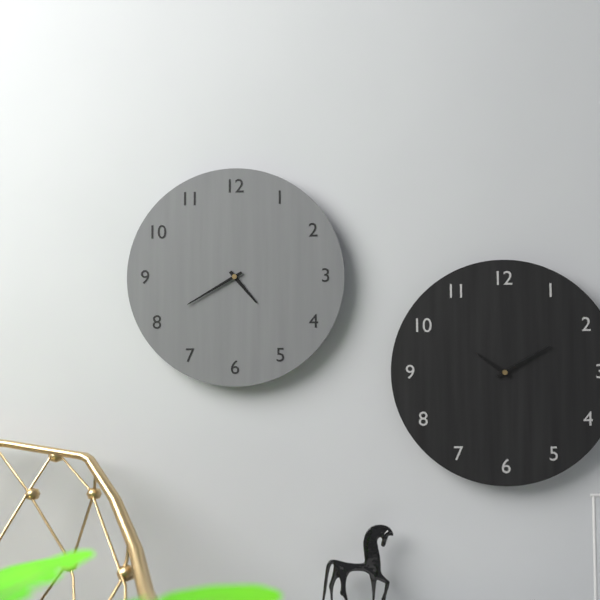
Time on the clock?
4:40
